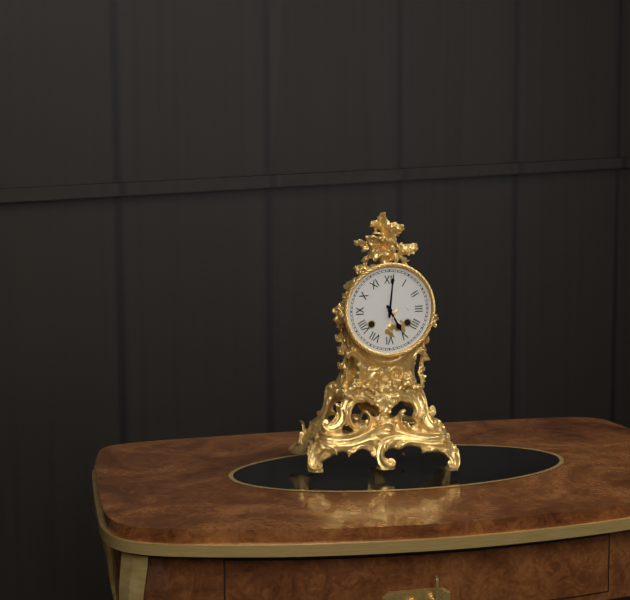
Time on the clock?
5:01
